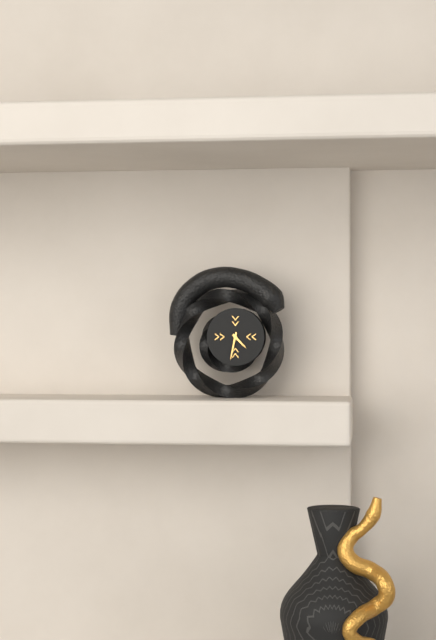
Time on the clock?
4:32
